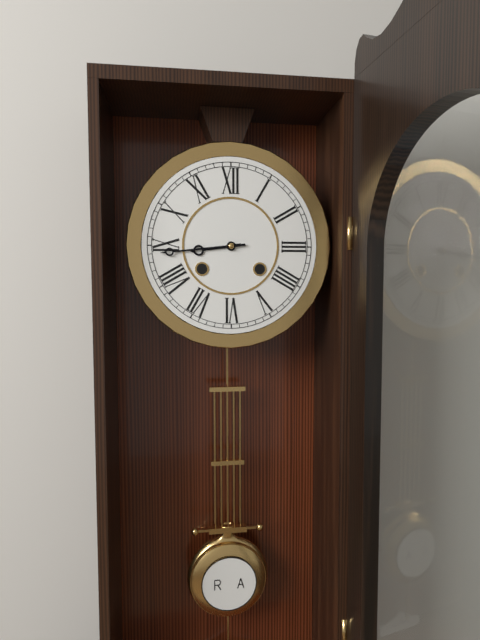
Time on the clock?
8:44
